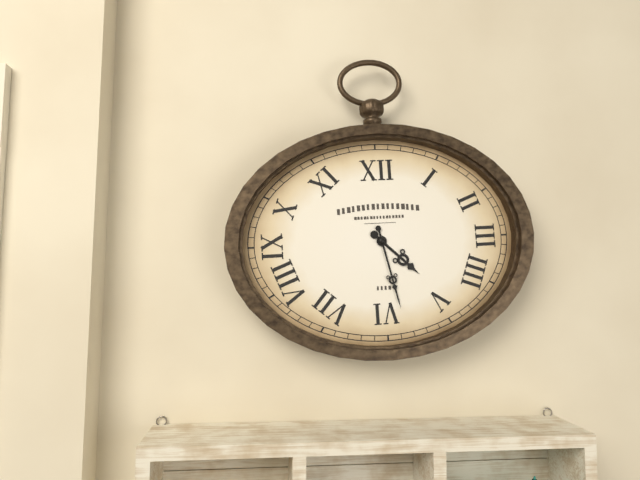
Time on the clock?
4:28
